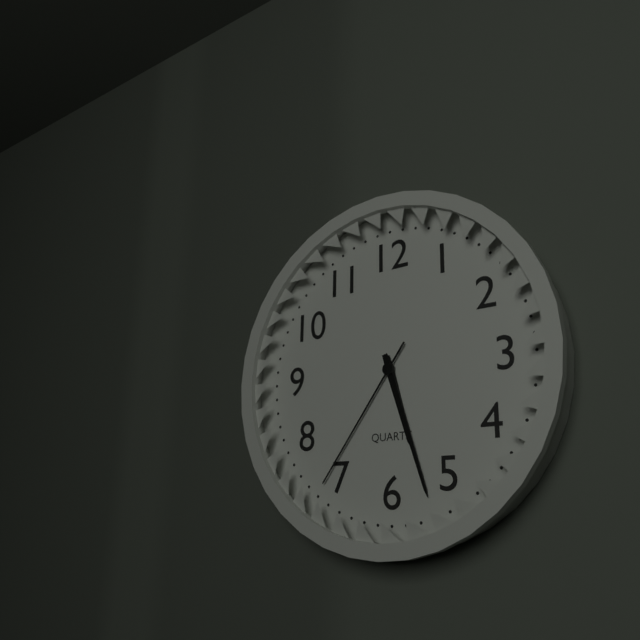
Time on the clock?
5:27:36
